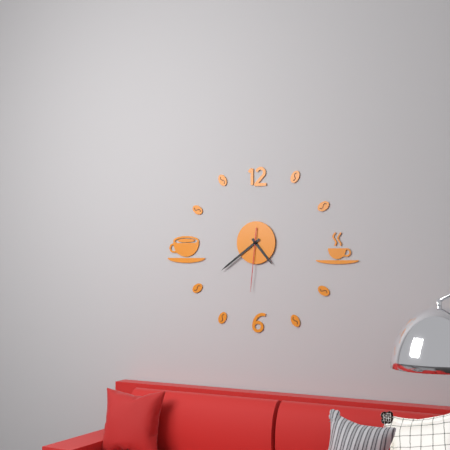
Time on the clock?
4:39:31
